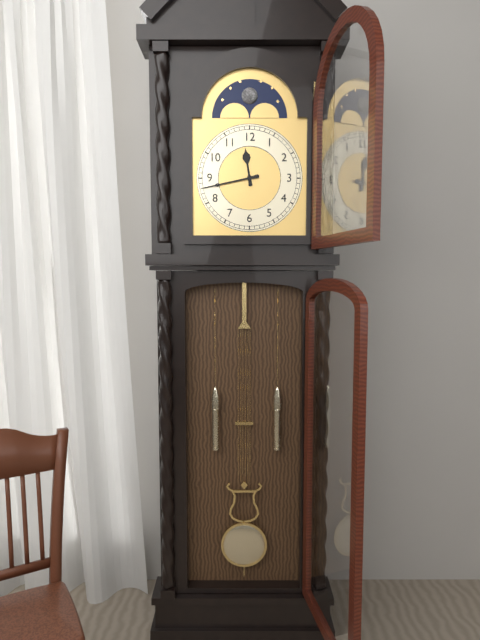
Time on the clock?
11:43
